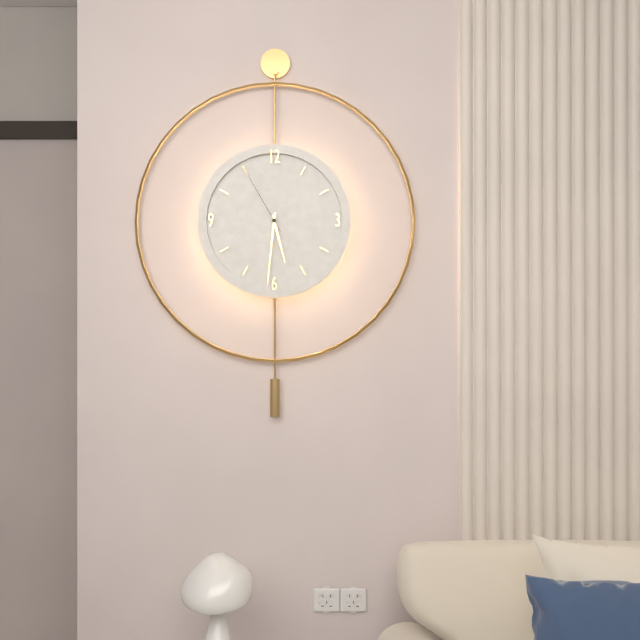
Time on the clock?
5:31:55
